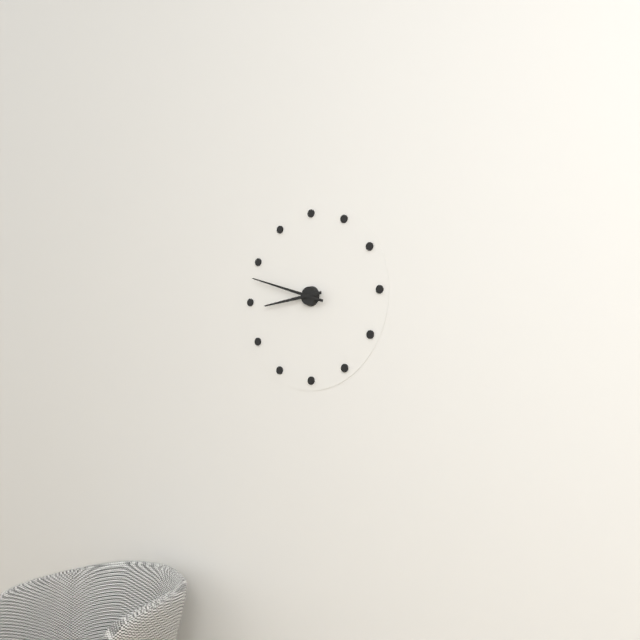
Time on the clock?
8:48
